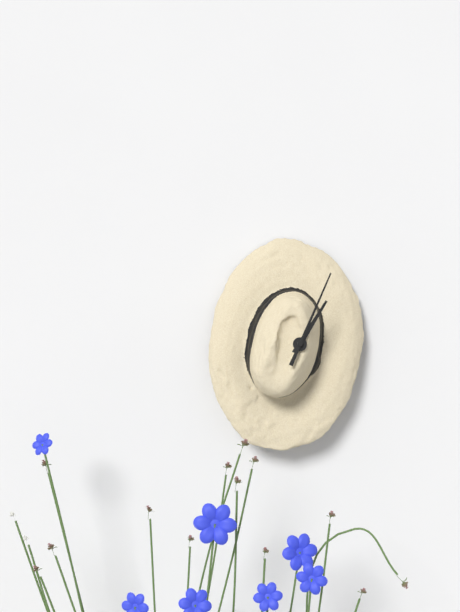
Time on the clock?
1:04
